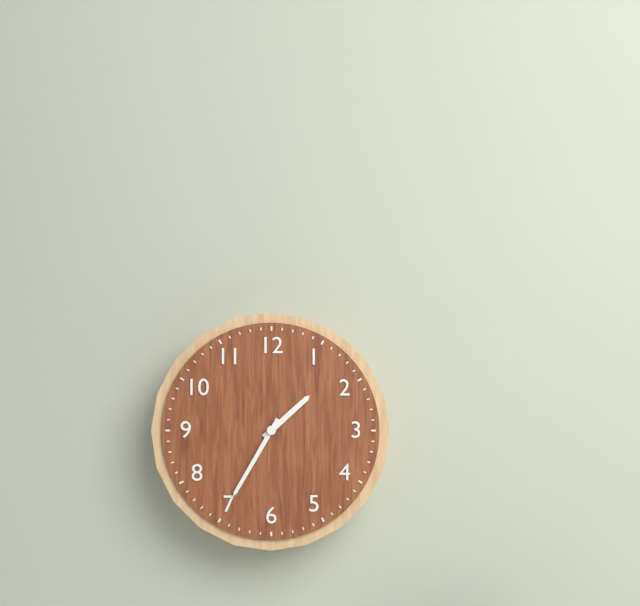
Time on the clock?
1:35
